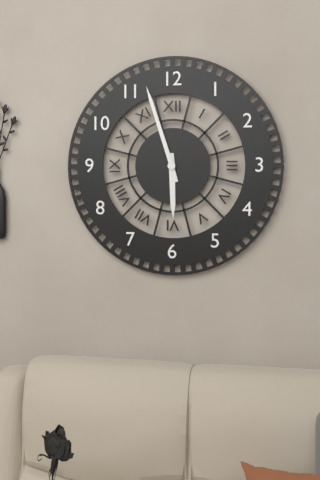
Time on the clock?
5:57
